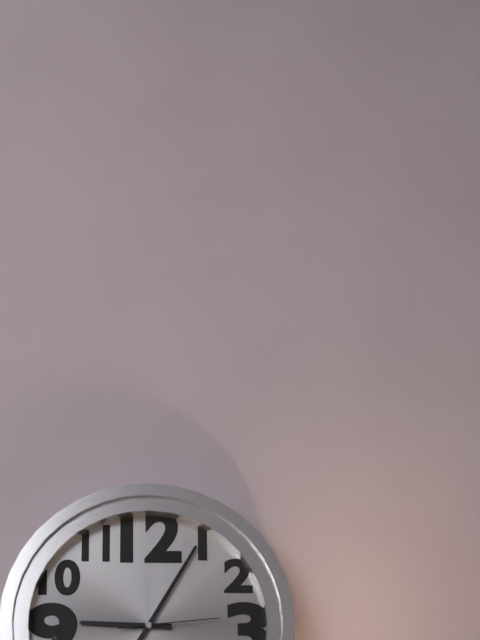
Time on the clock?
9:05:14
